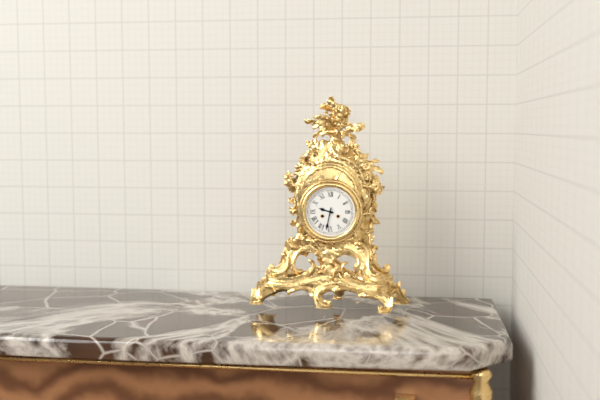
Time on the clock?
9:32
